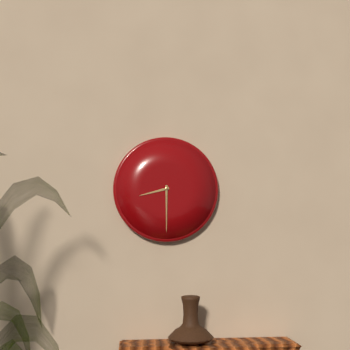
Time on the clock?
8:30
